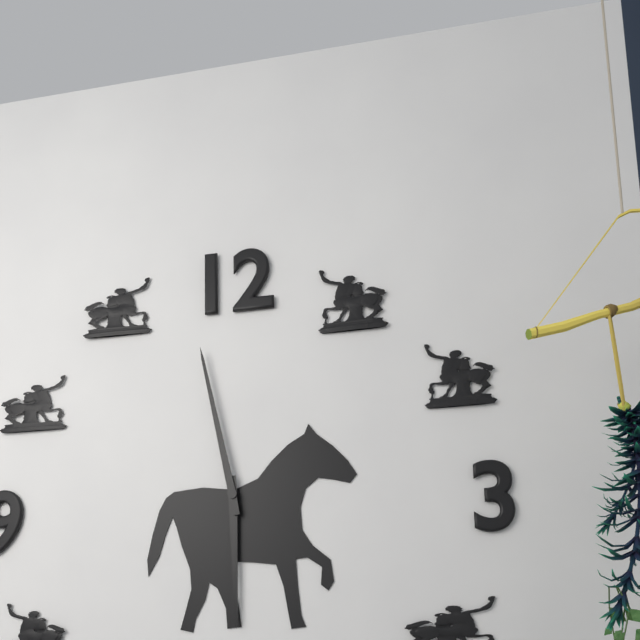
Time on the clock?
5:58
